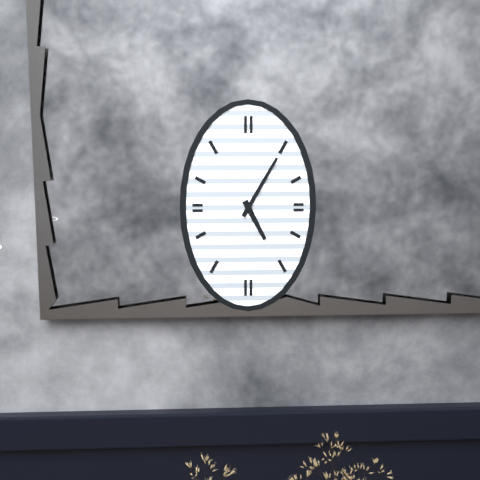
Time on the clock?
5:05
